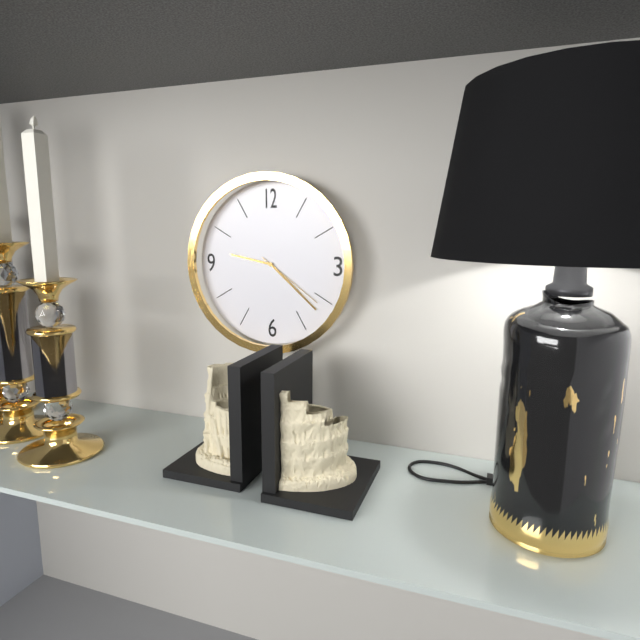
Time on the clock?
9:22:21
